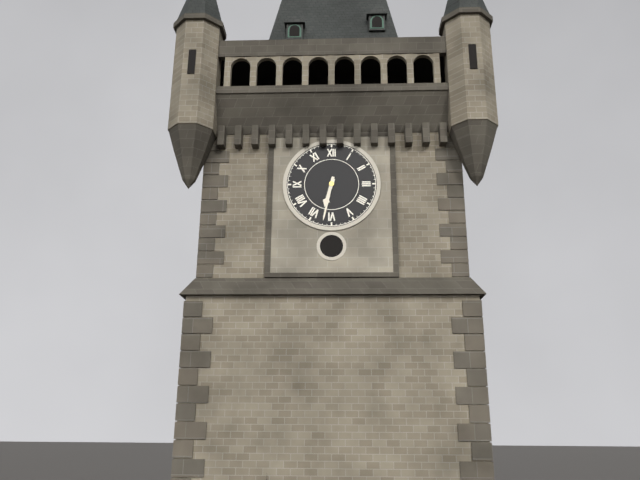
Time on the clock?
6:32
